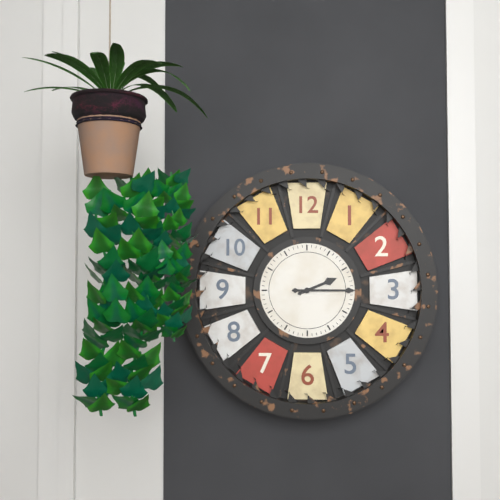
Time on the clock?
2:15
